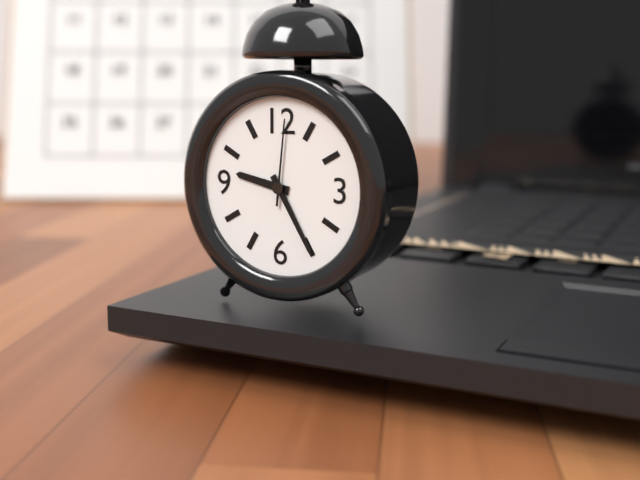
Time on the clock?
9:25:01
